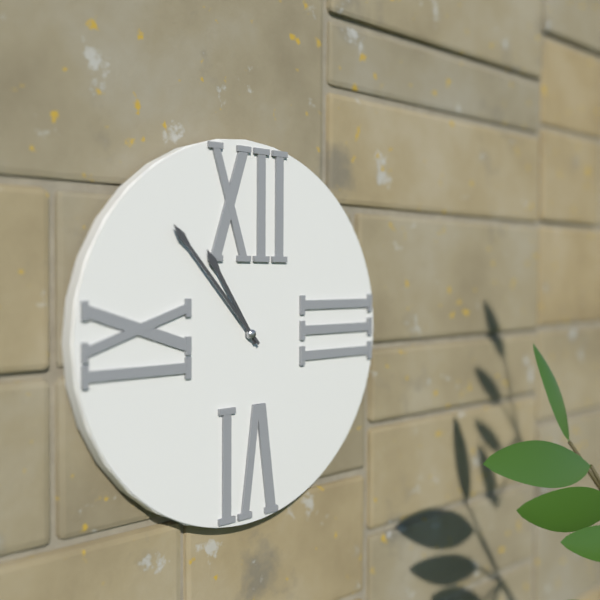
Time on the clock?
10:53
